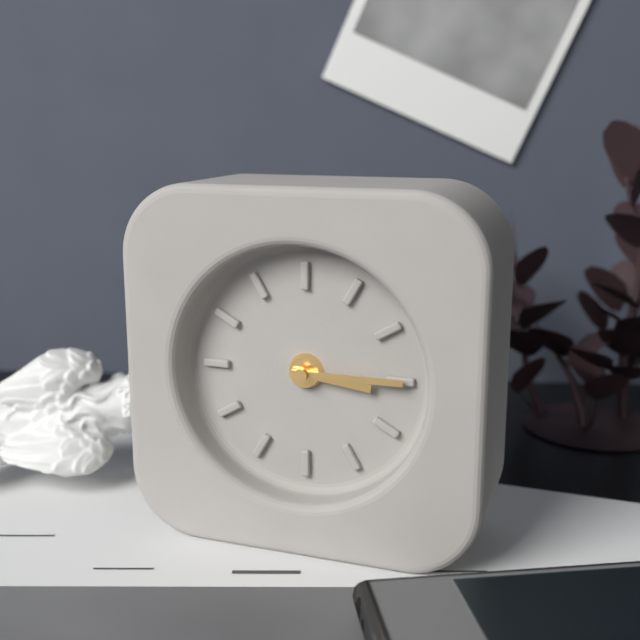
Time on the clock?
3:15
